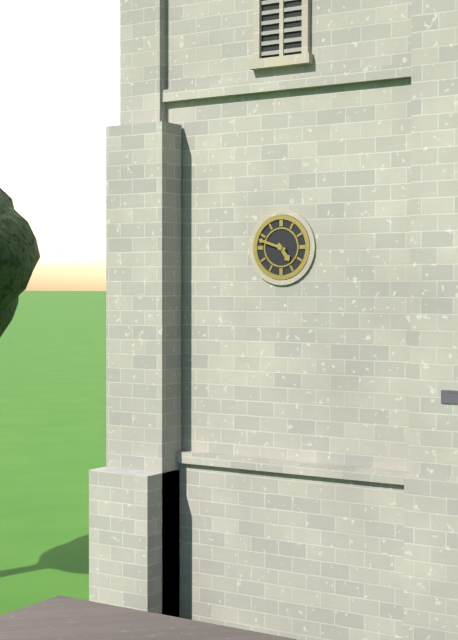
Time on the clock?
4:48
